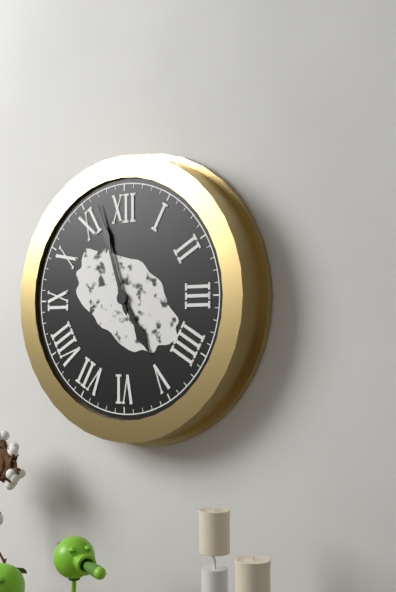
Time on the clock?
4:57
